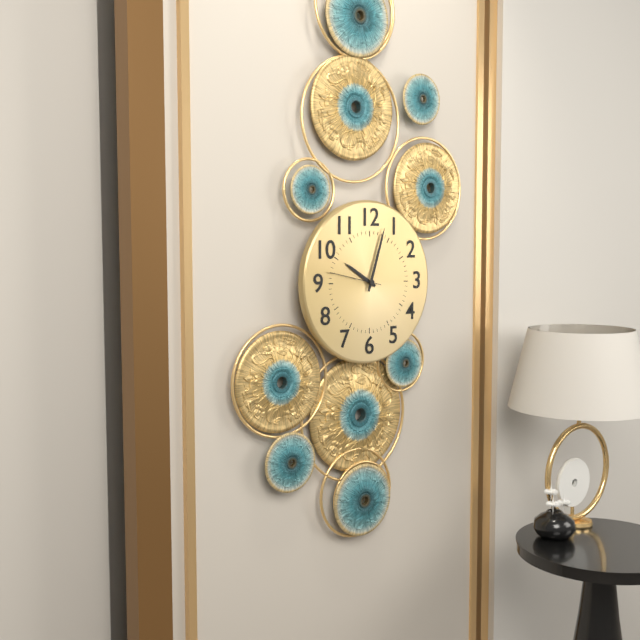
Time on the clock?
10:03
